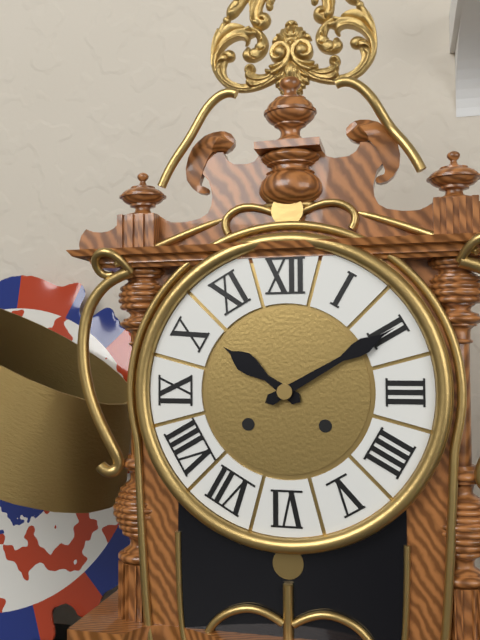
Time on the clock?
10:10
